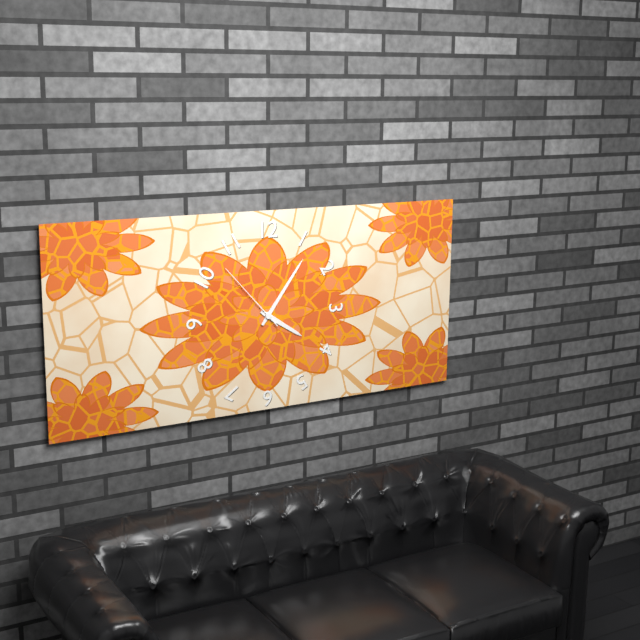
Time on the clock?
4:06:53
